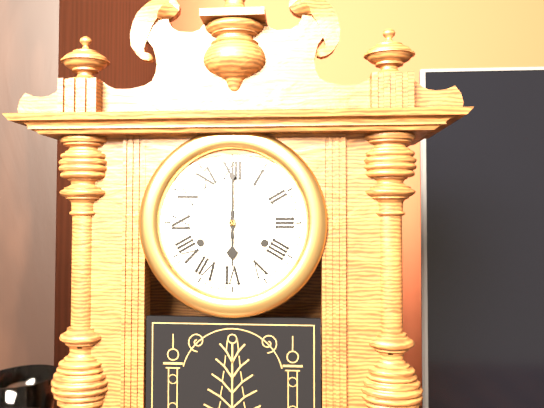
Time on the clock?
6:00
